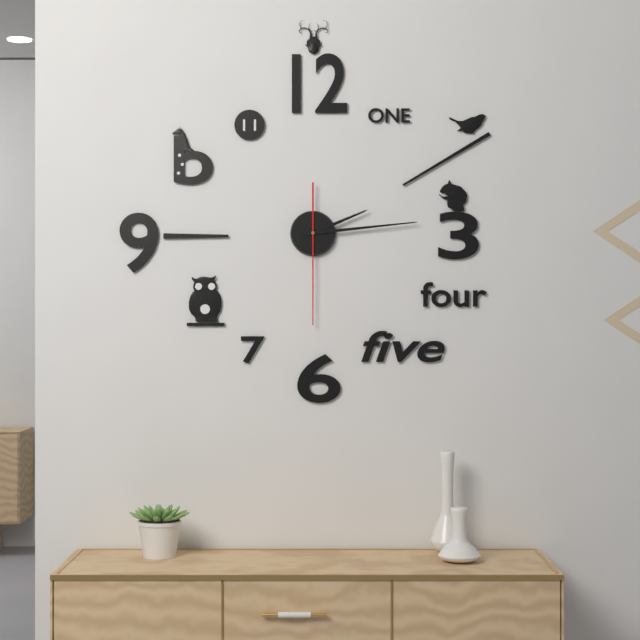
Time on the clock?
2:14:30
